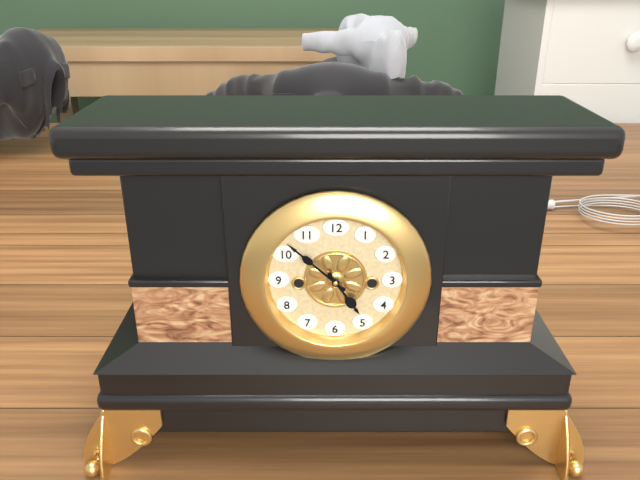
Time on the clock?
4:52
